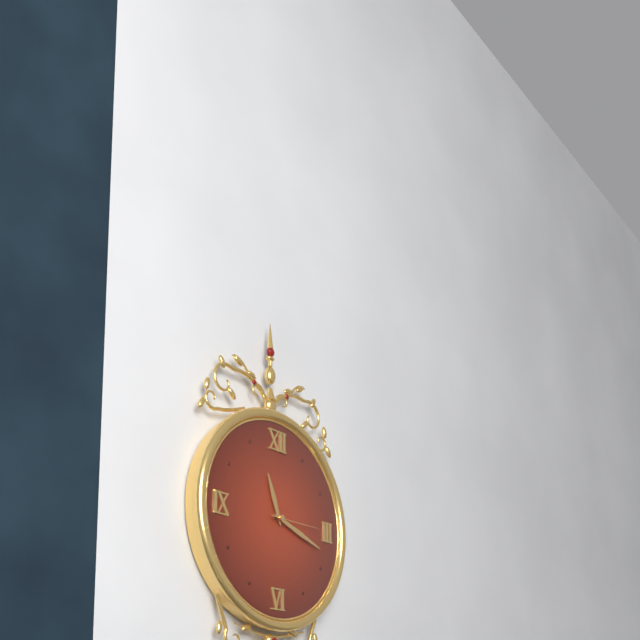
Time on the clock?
11:18
